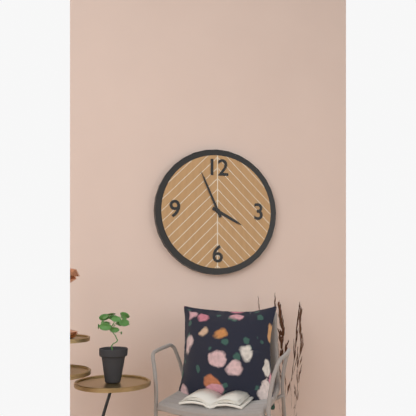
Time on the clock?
3:56
